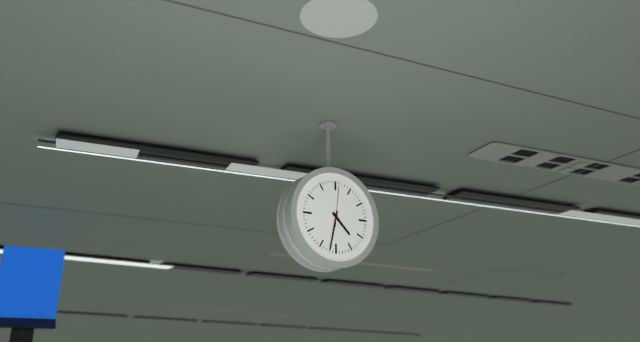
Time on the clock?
4:32
